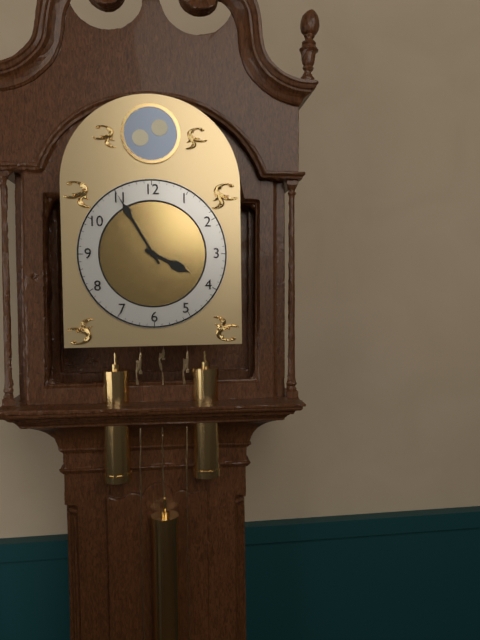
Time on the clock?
3:55
